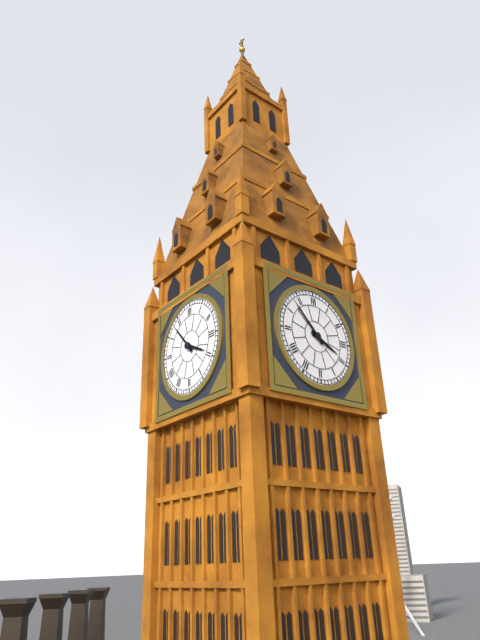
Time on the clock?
3:53
